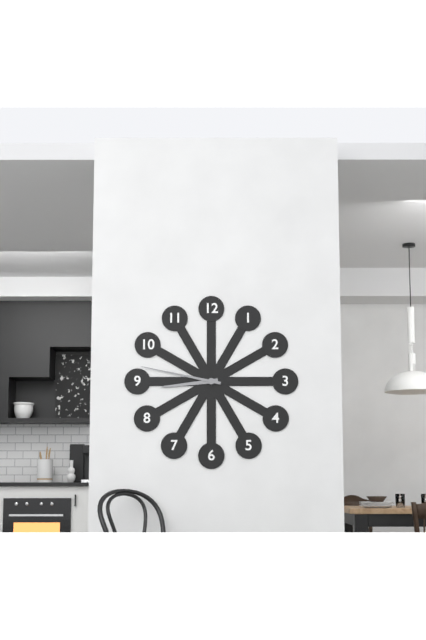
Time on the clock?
8:47
